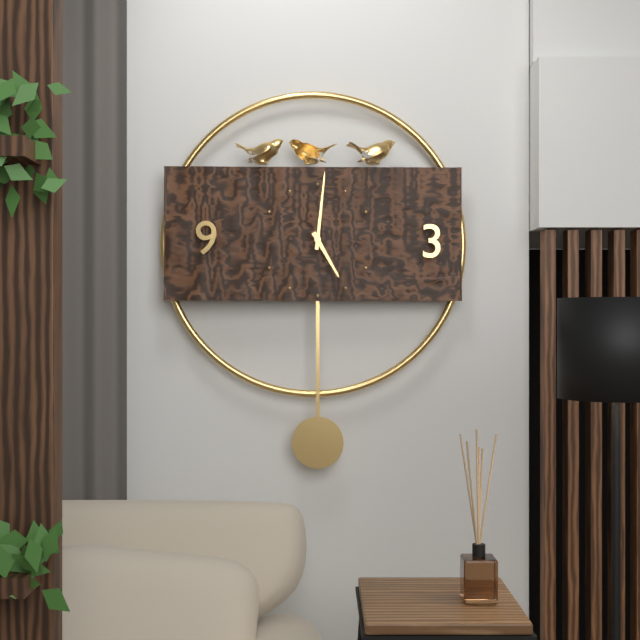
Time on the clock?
5:01
